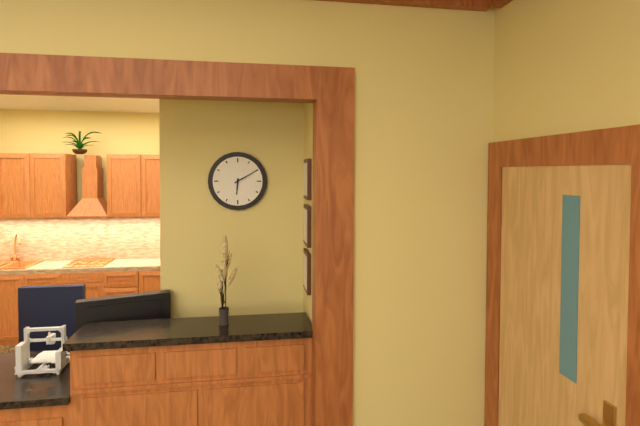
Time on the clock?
6:10
